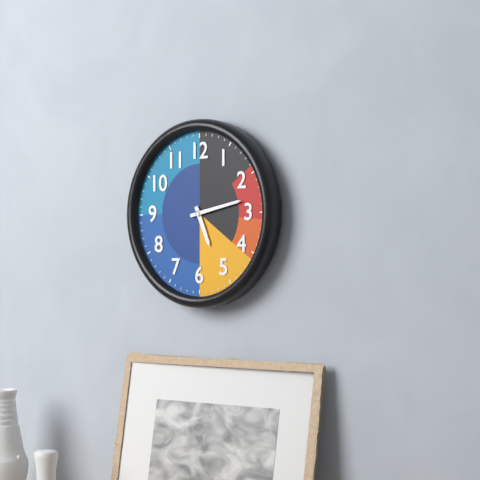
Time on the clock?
5:13
